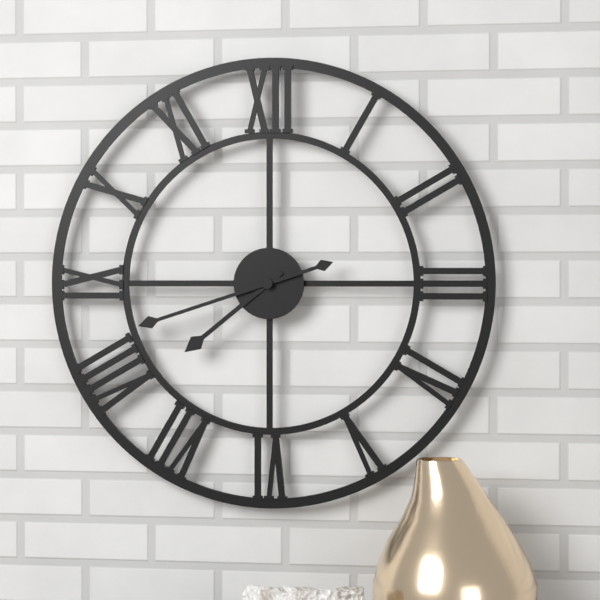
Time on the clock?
7:42
